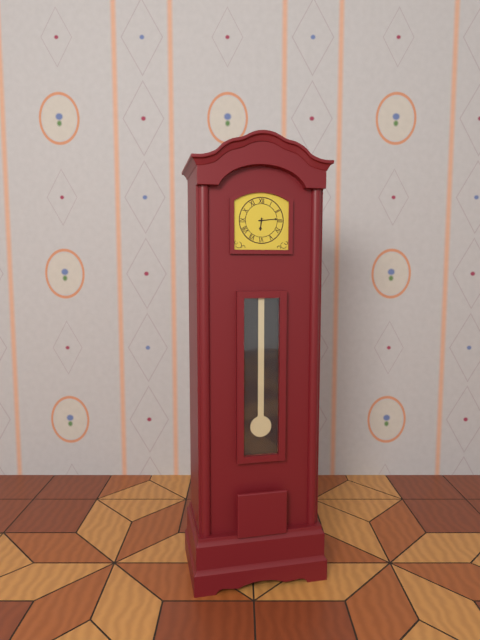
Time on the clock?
6:14
